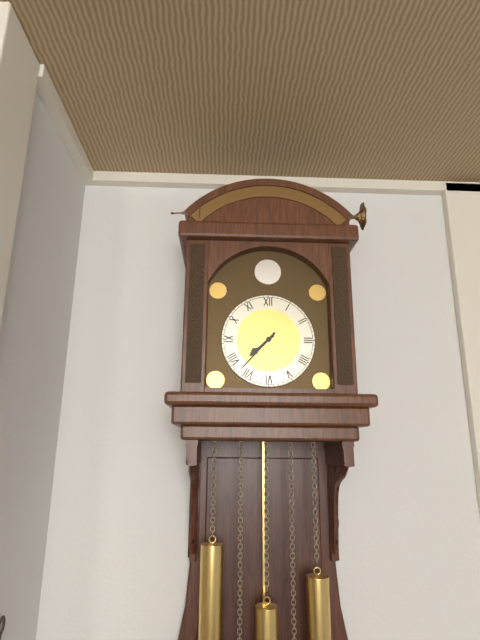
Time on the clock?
7:37
